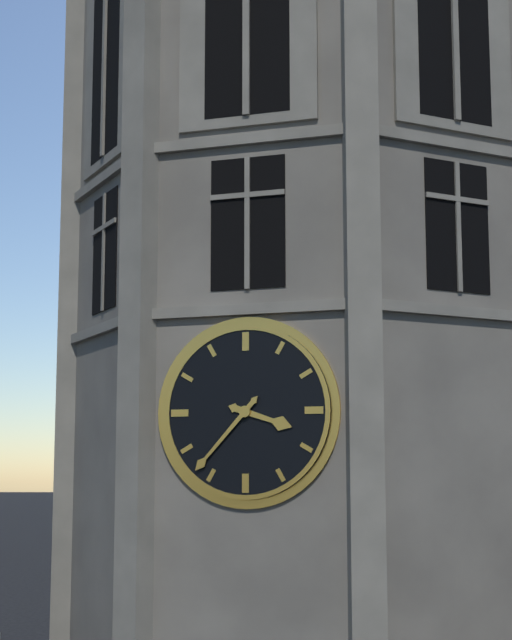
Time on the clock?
3:37
